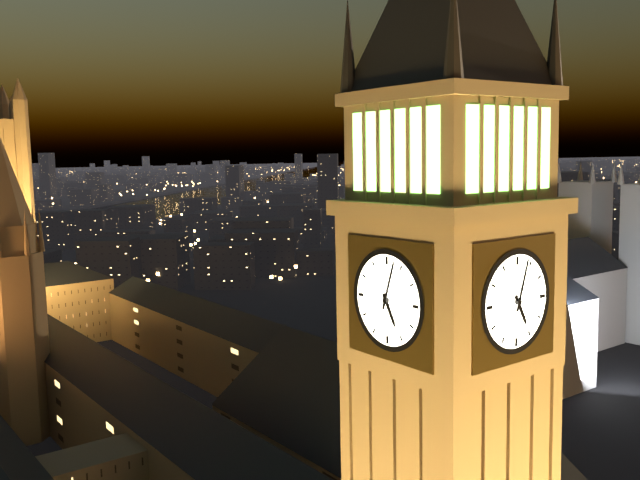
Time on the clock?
5:03
